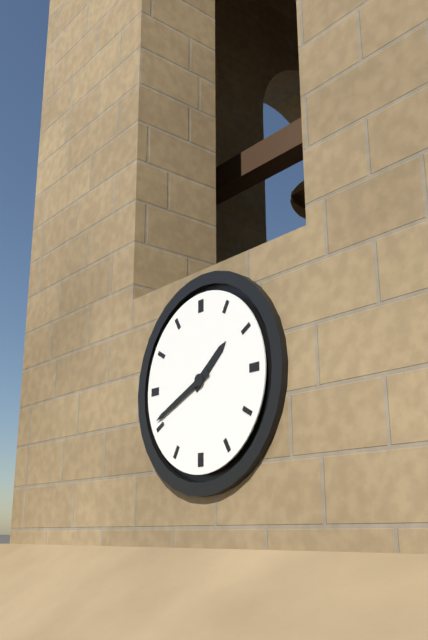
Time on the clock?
1:41
